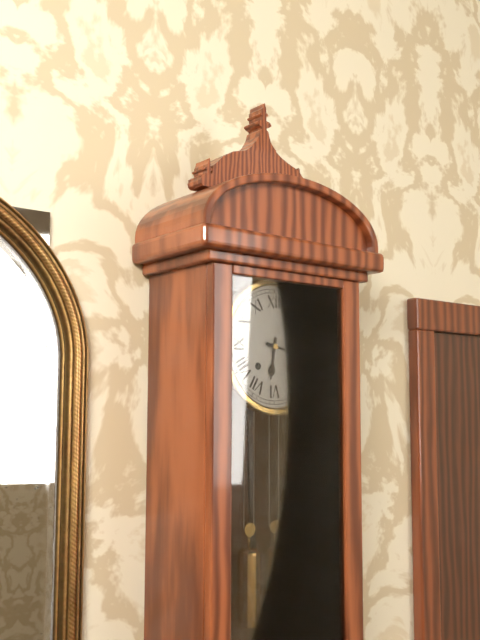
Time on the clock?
6:17
